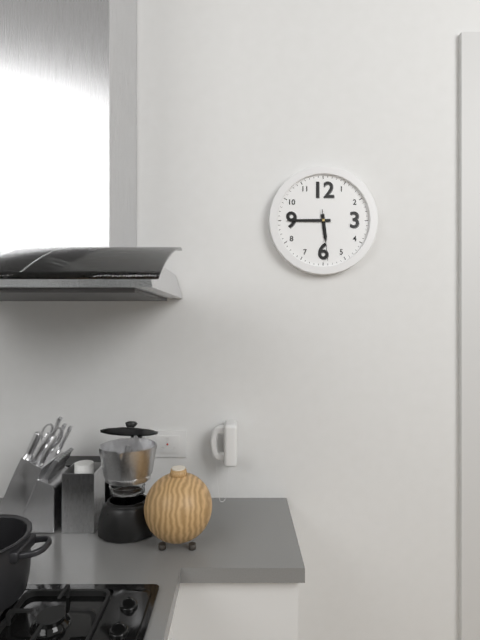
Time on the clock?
5:45:29
